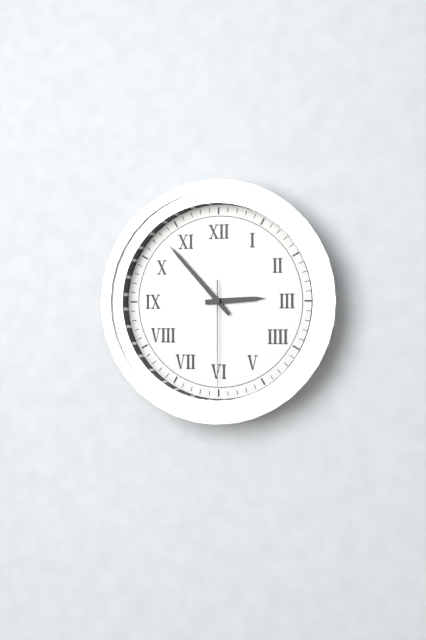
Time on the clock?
2:53:30
